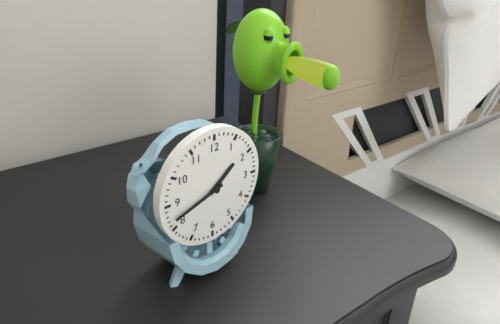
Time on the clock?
1:42
